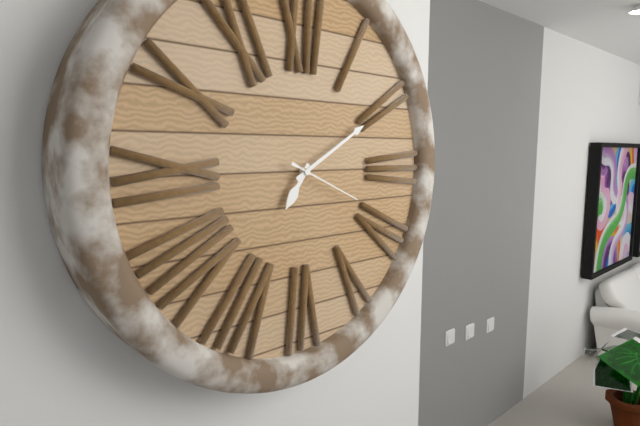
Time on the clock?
7:10:19
